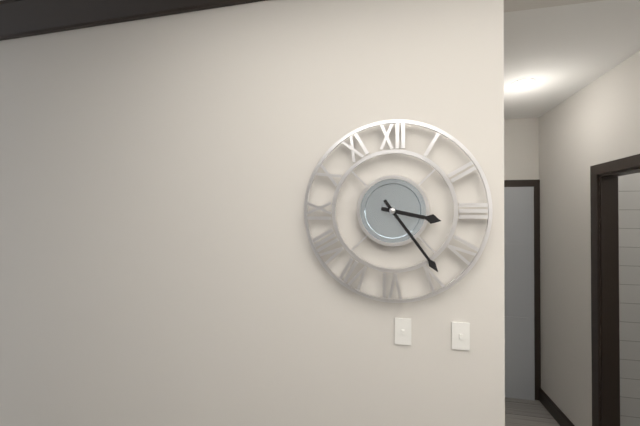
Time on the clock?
3:24
